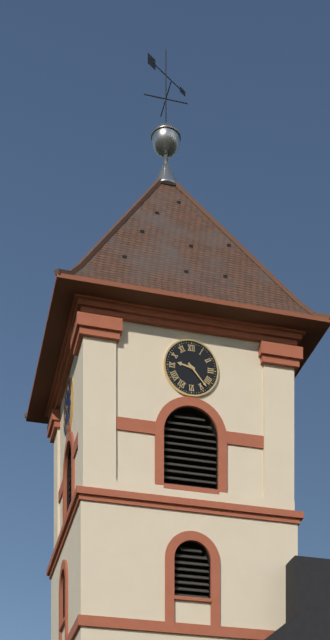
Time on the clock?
9:23
